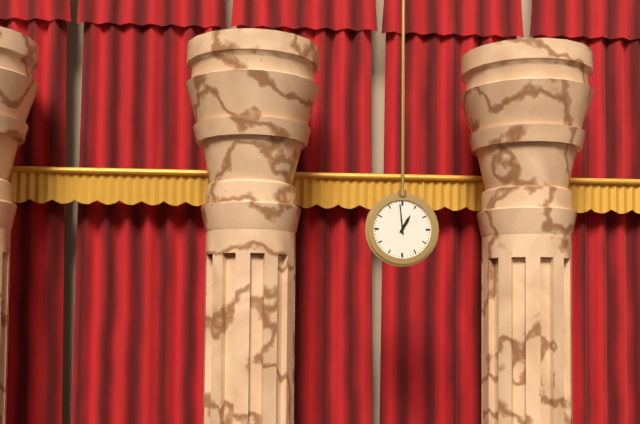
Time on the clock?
12:59
